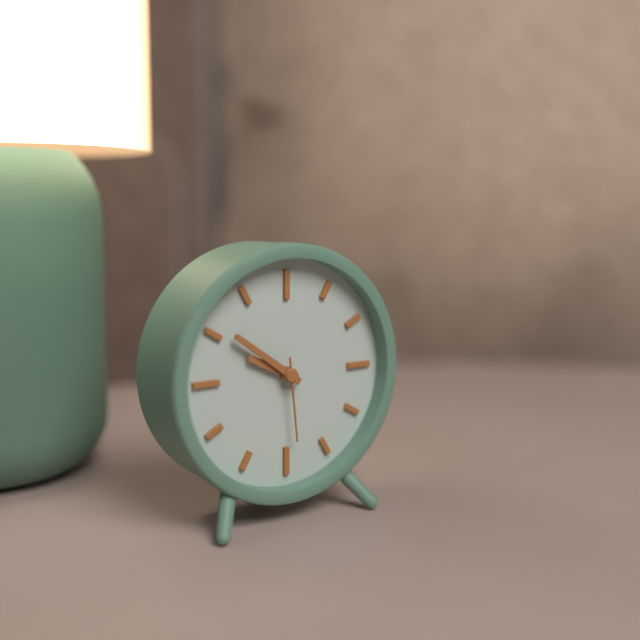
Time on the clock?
9:51:29
